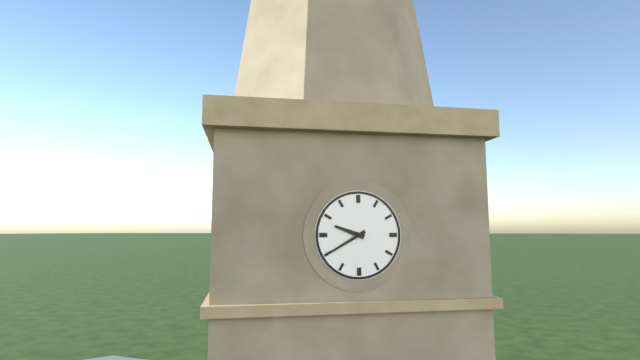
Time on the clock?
9:40
